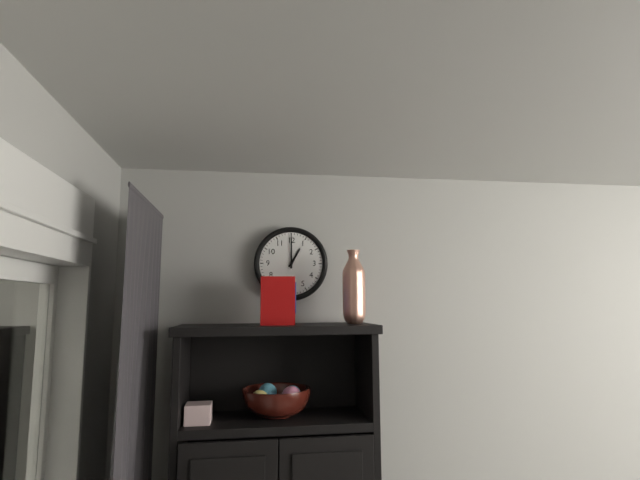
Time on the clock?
1:00
